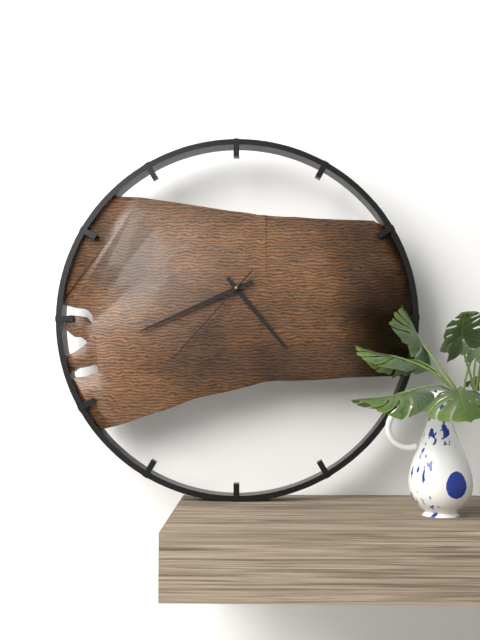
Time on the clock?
4:41:37
